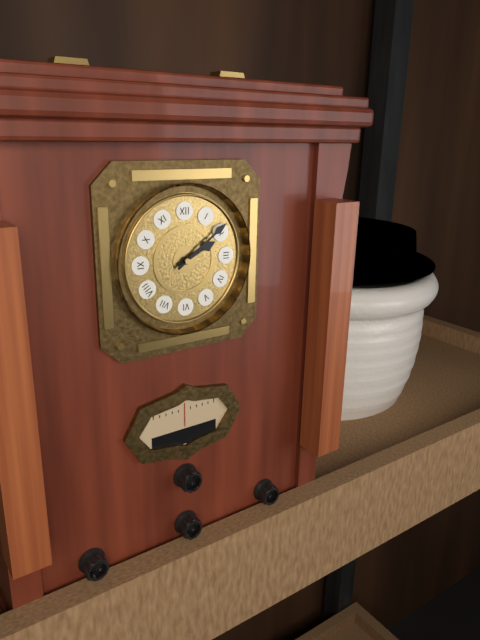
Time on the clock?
2:09
